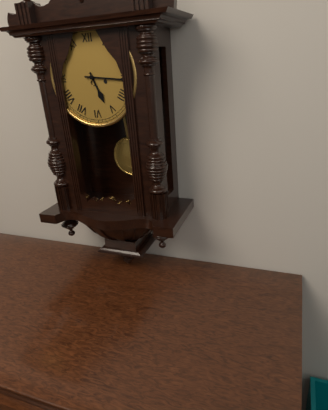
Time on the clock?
5:16
